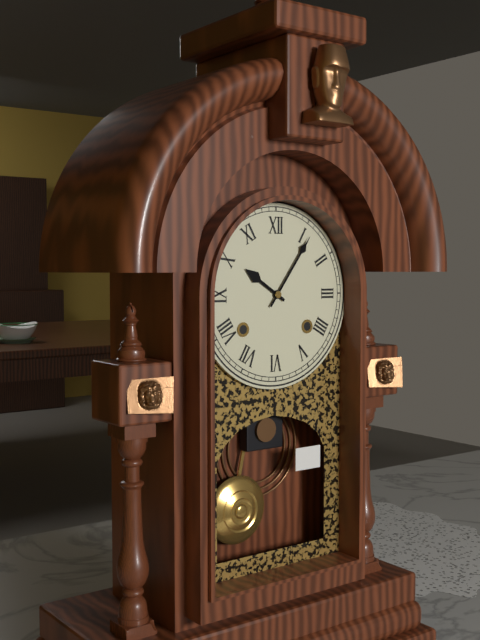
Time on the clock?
10:06
